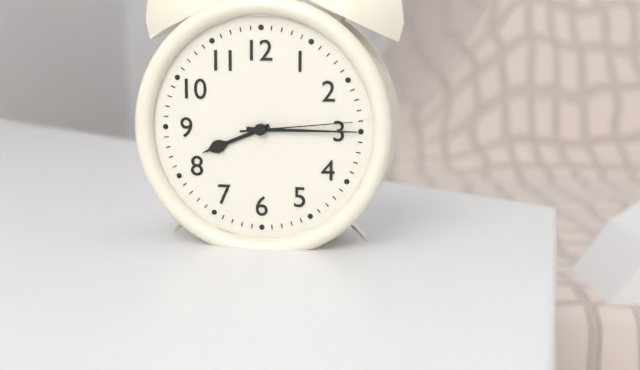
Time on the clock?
8:15:14
